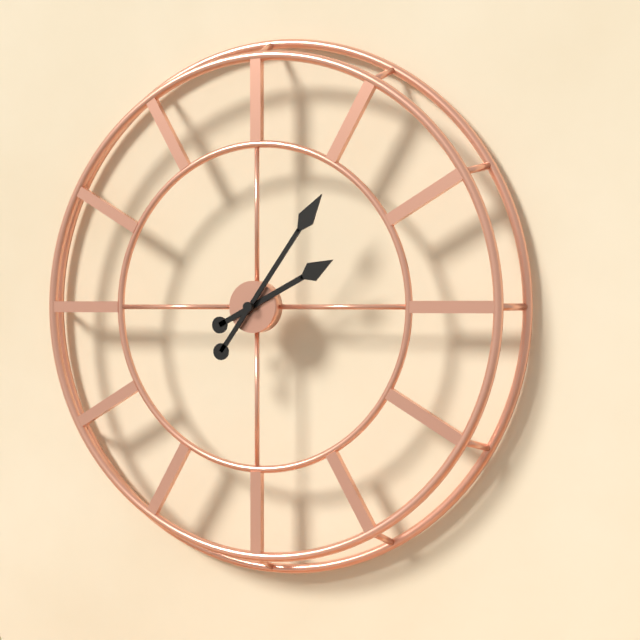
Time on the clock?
2:06
